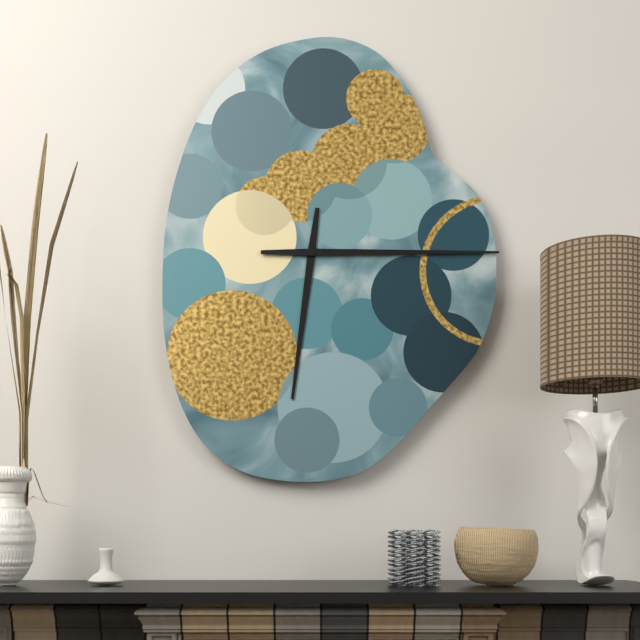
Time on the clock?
6:15
